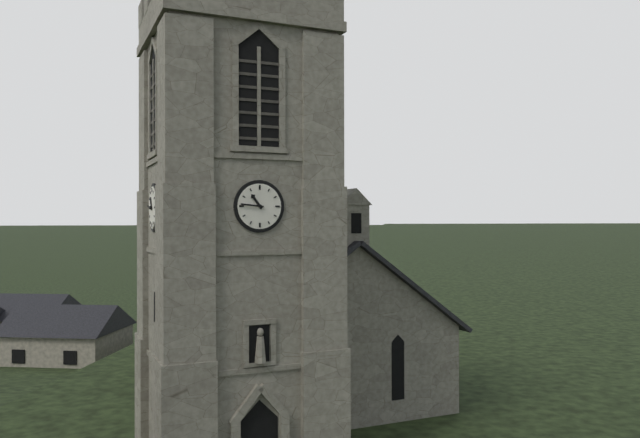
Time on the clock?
10:46
